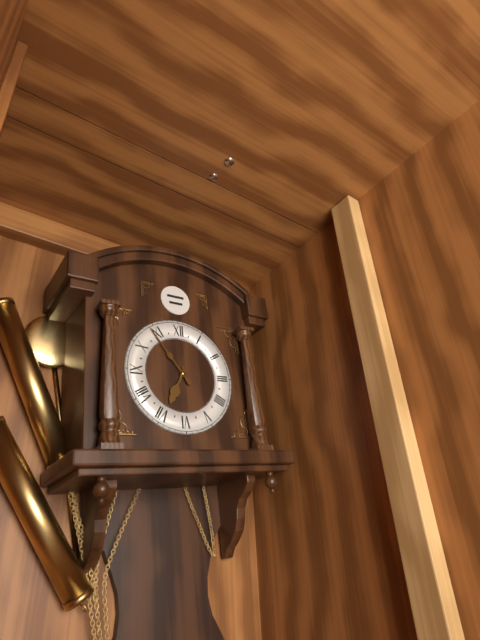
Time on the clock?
6:54
